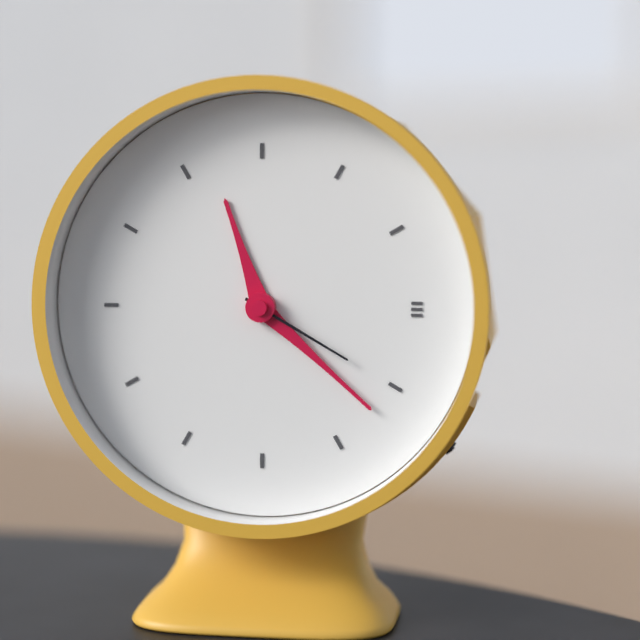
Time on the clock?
11:22:20
